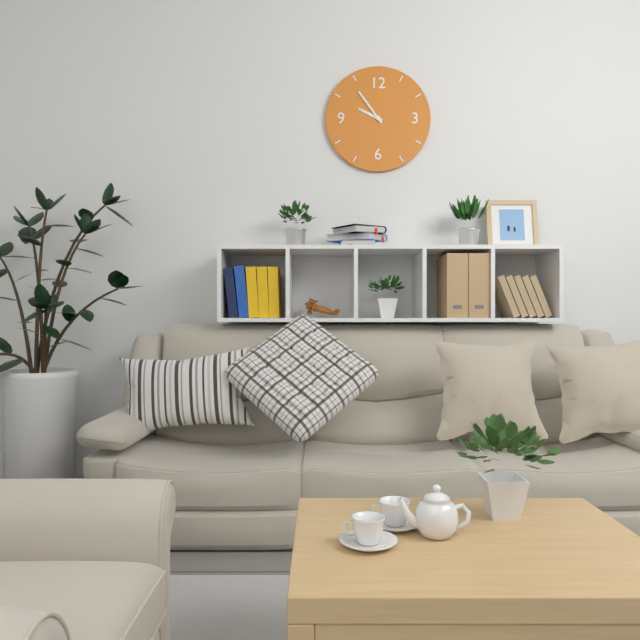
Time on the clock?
9:54
